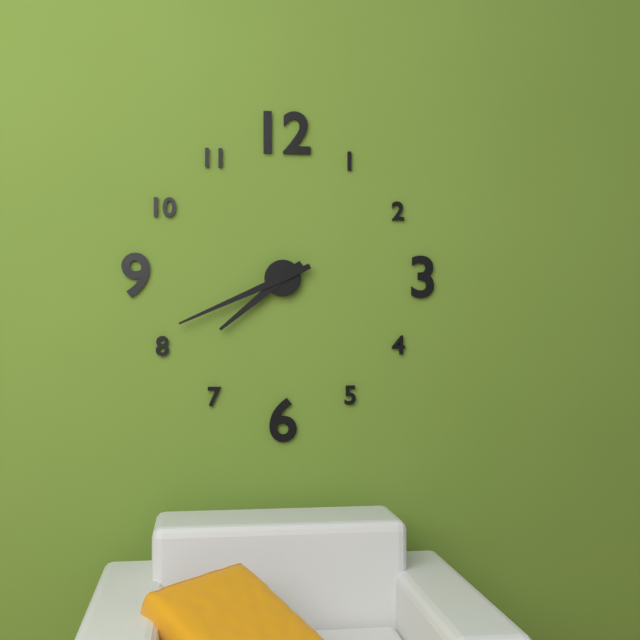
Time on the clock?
7:41
